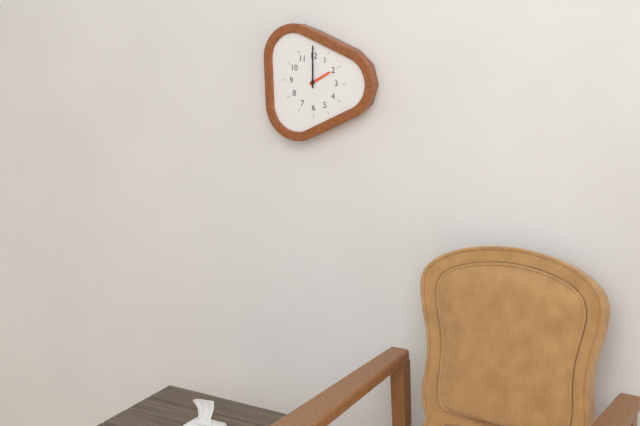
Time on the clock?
2:00
